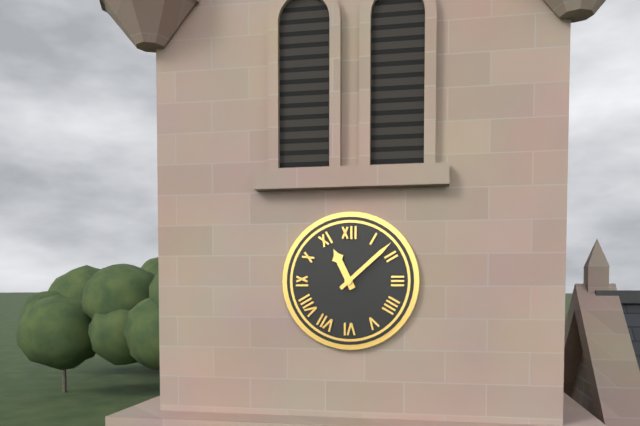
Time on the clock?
11:08
